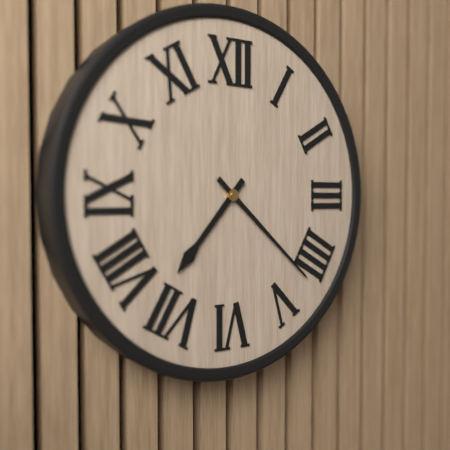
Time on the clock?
7:22
